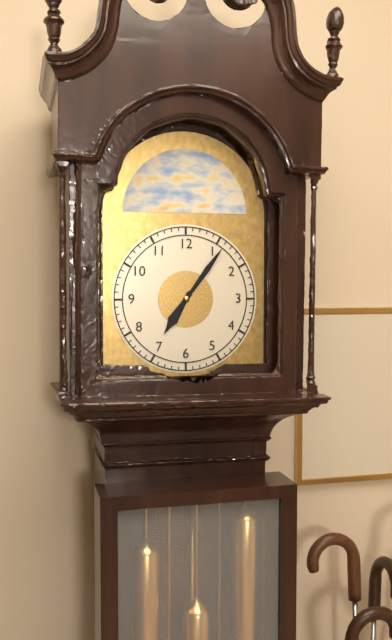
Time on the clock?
7:06
